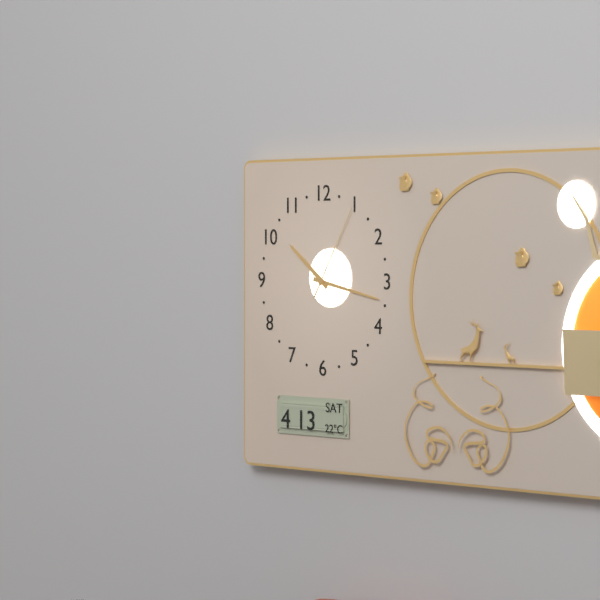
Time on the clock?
10:17:05
